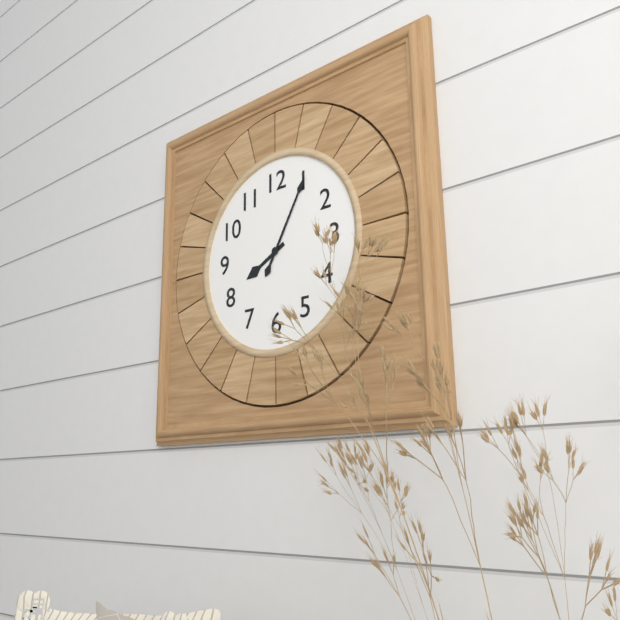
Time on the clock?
8:05
